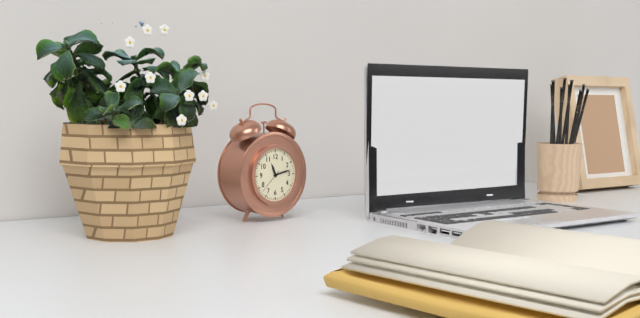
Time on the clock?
11:13
